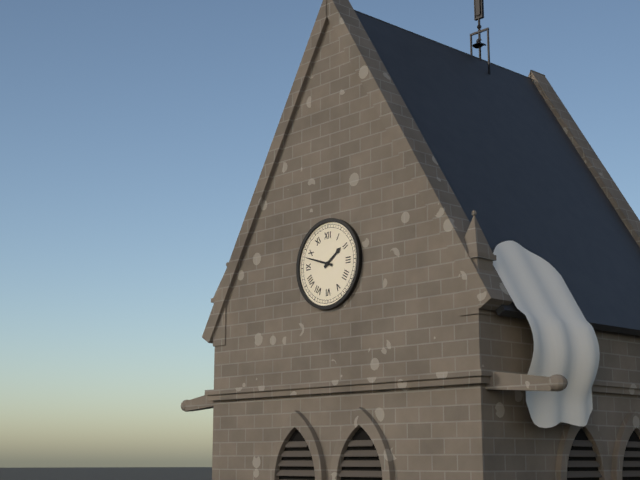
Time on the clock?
1:48
